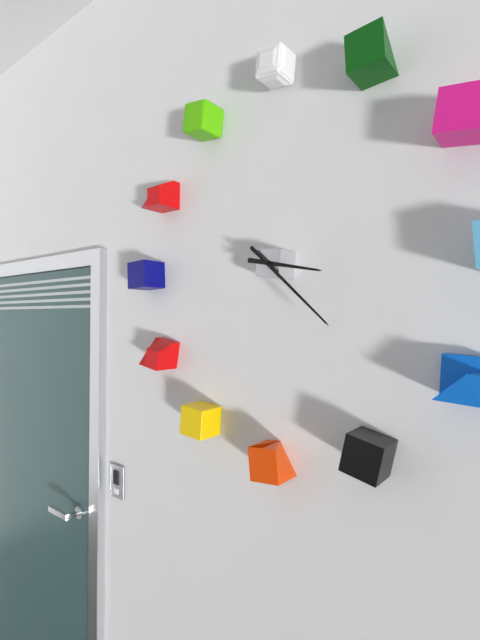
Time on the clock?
3:22
